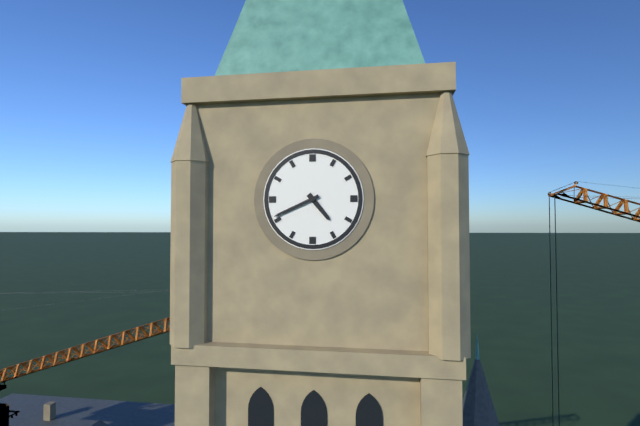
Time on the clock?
4:41
